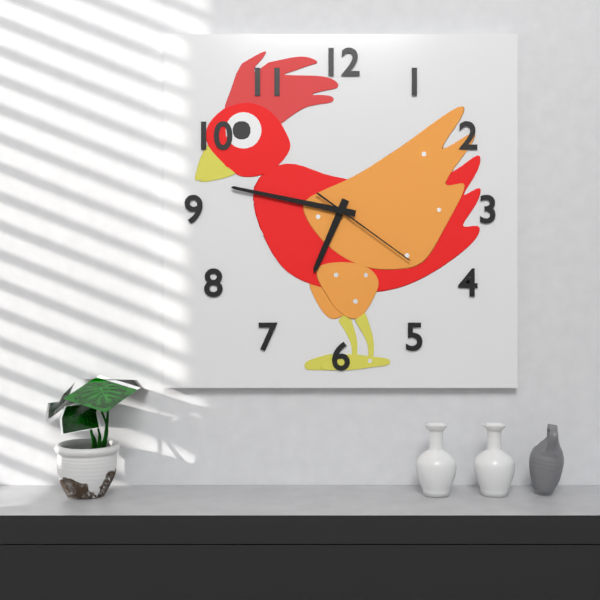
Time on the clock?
6:47:21
